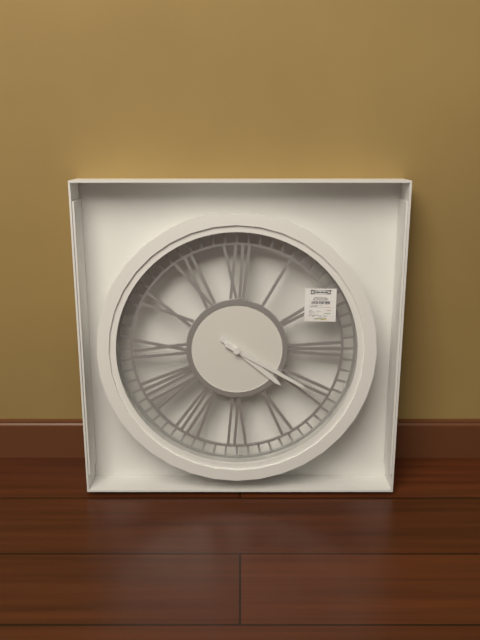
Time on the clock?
4:20
